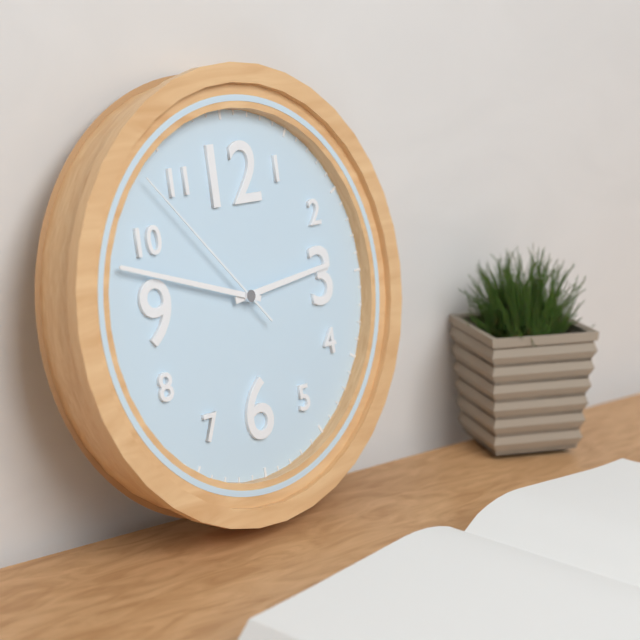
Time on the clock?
2:48:53
